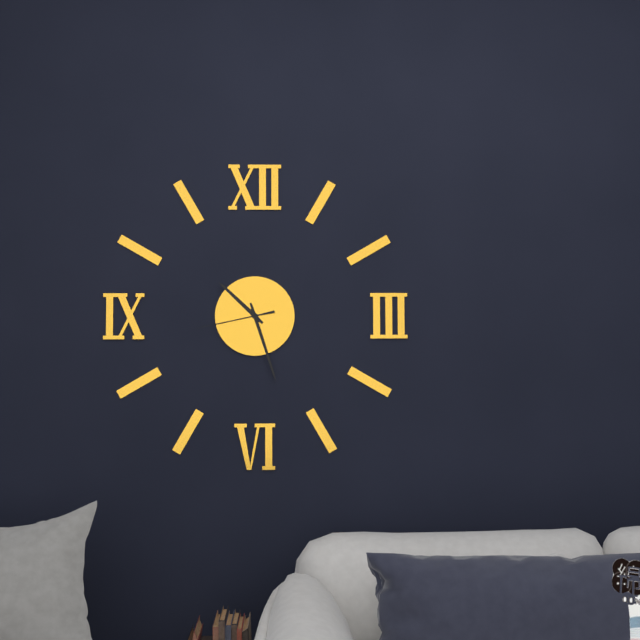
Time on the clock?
10:27:43
